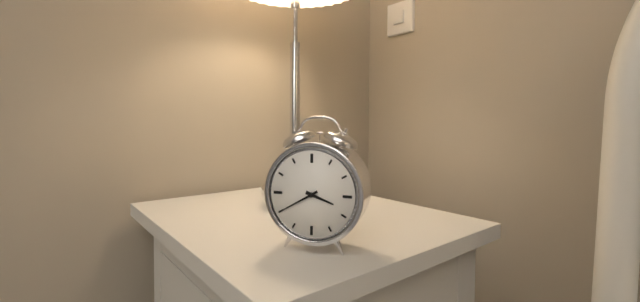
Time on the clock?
3:40
